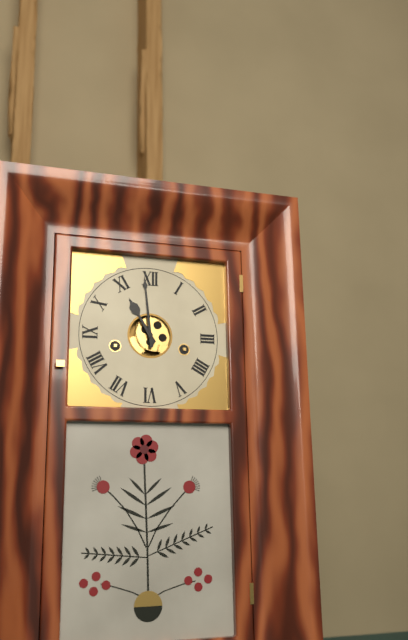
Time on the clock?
10:59
